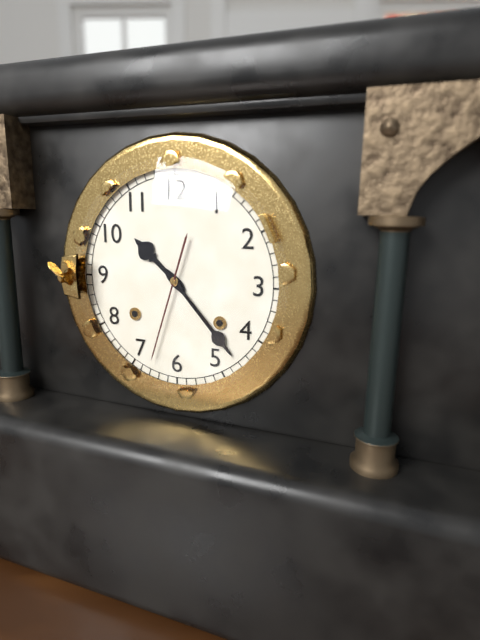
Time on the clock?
10:23:33
